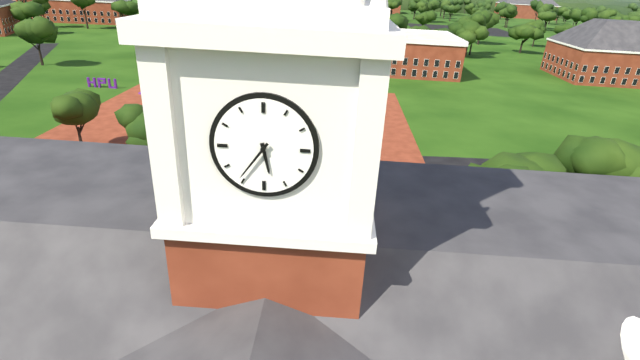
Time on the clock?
5:36
